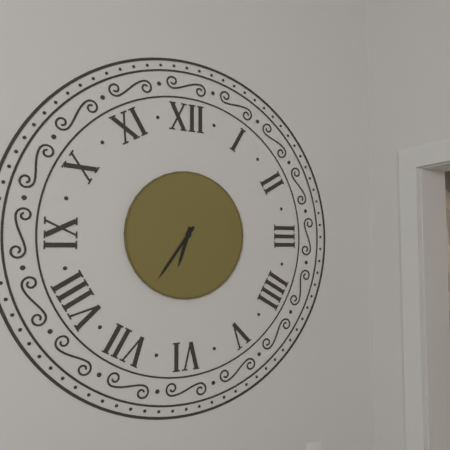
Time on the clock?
6:36
